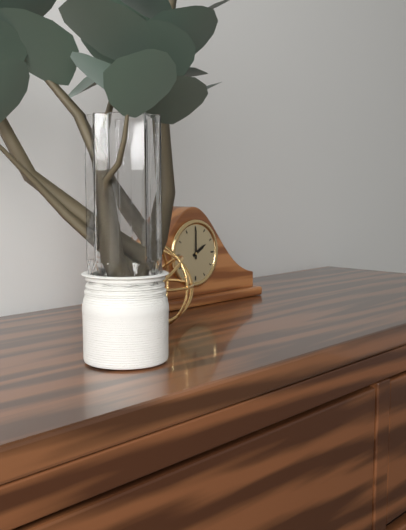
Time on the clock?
2:00
